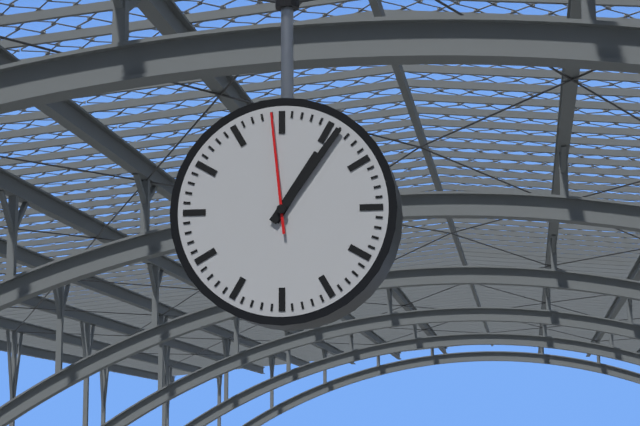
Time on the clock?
1:06:59
